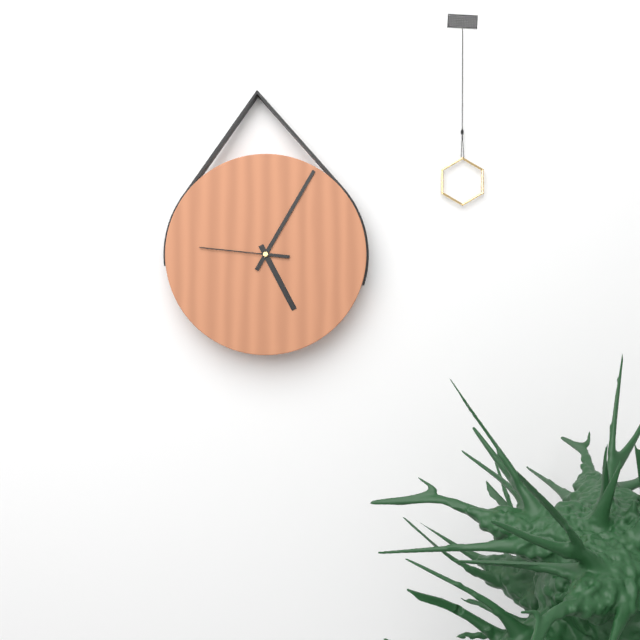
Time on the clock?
5:05:46
